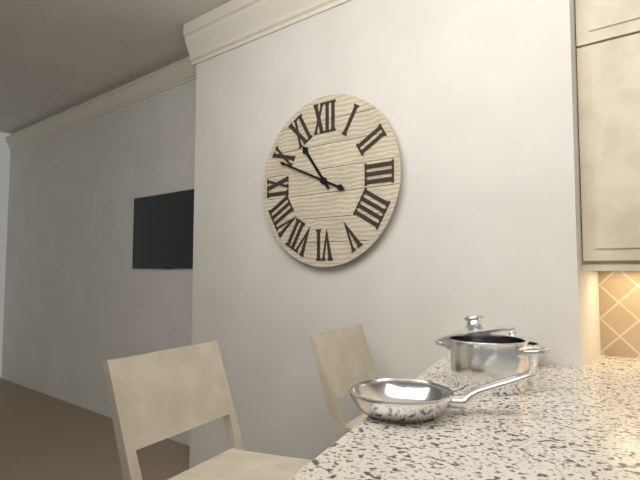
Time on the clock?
10:49
